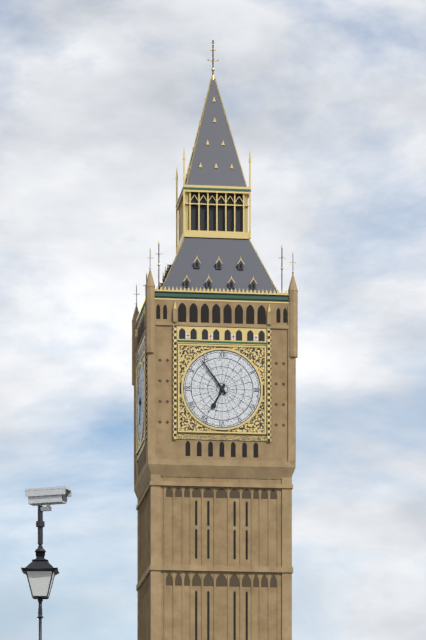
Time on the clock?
6:54
